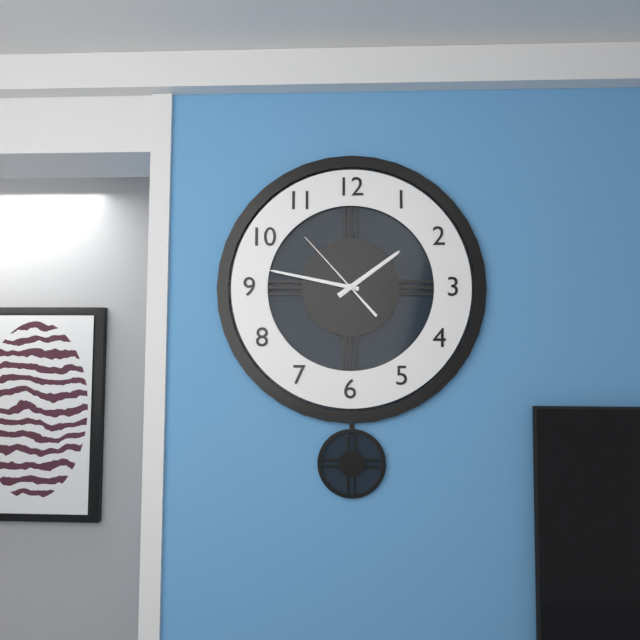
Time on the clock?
1:47:53
